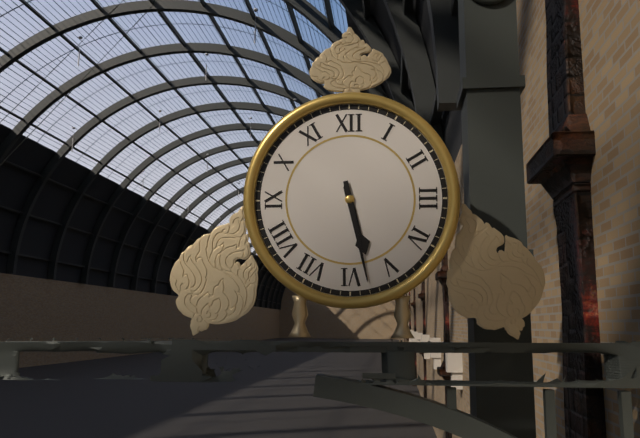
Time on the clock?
5:28
